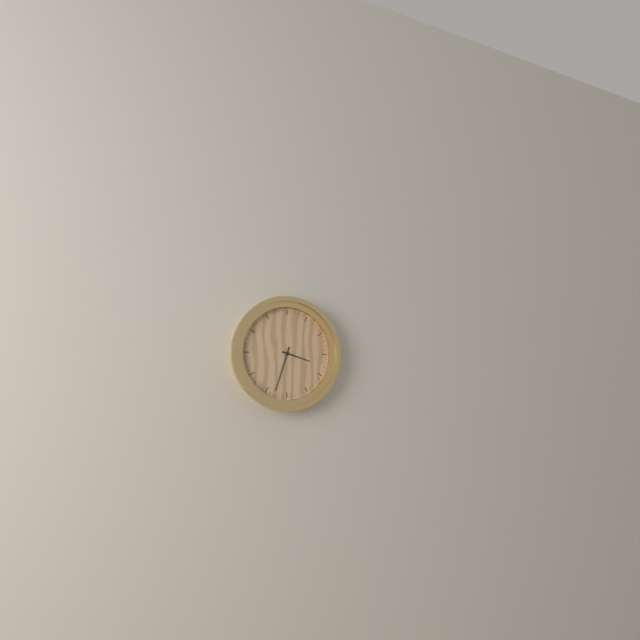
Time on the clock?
3:33
